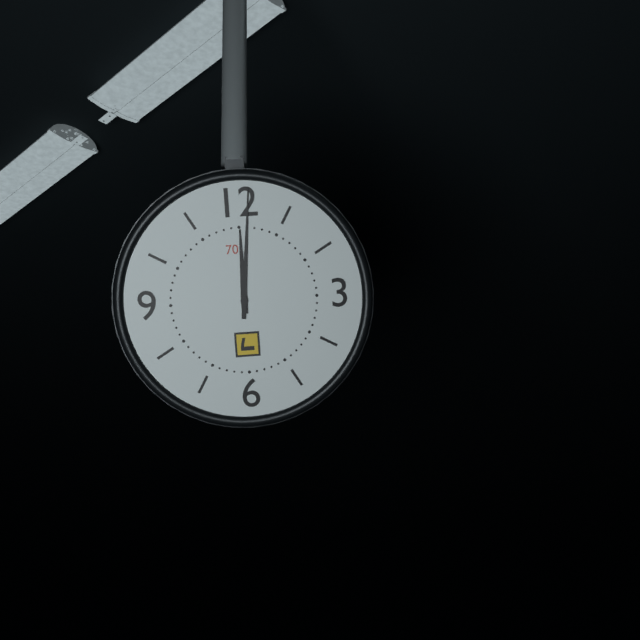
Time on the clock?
12:01
